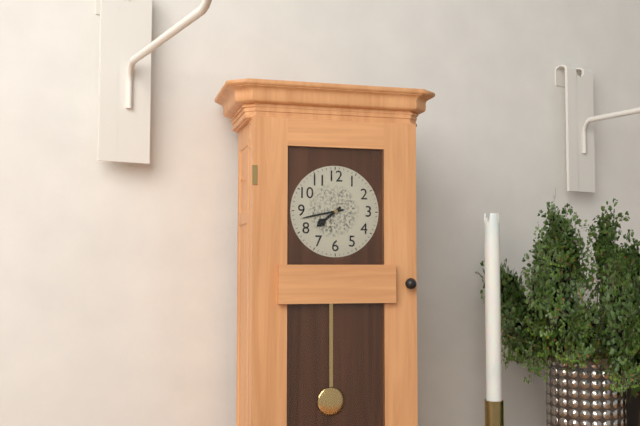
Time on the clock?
7:43
